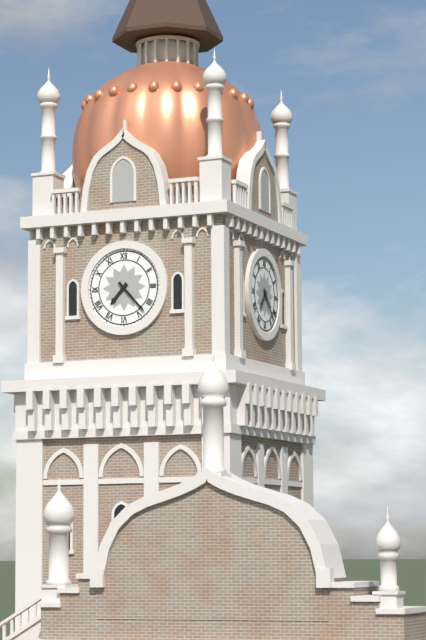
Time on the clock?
7:23
